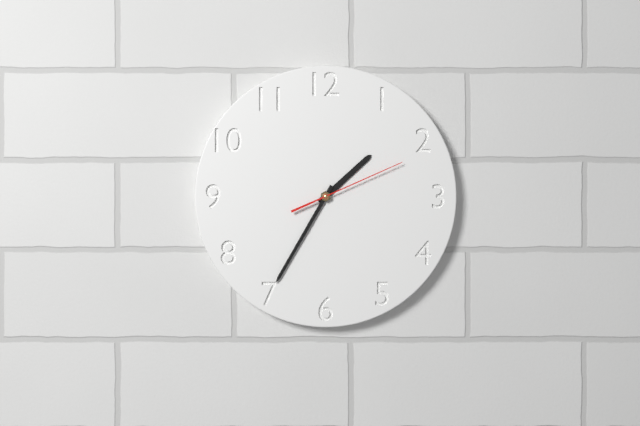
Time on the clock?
1:35:11
